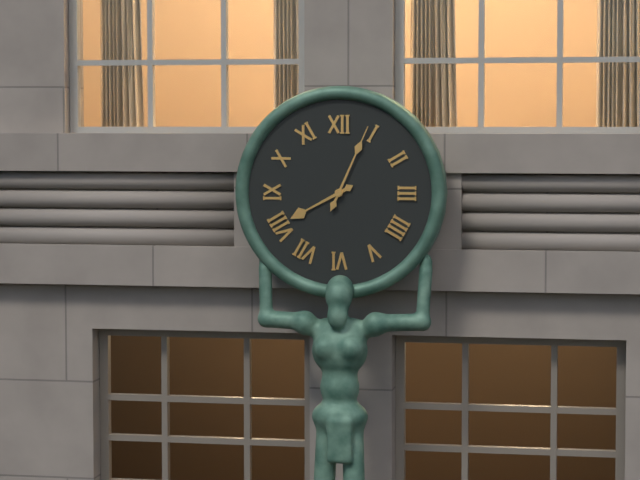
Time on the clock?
8:04
